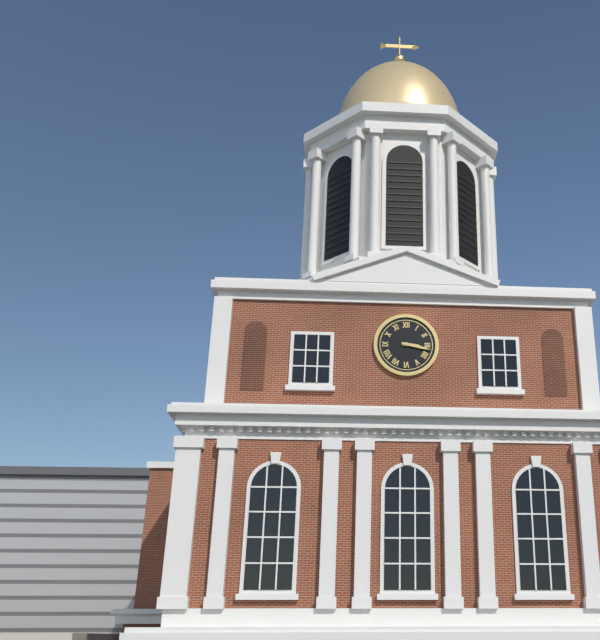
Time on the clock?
3:17
